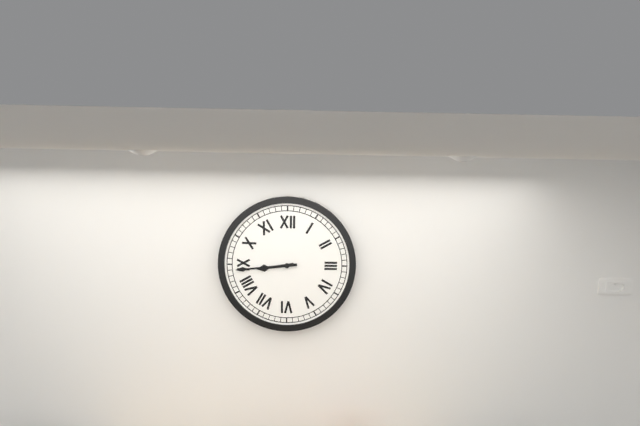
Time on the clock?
8:44
